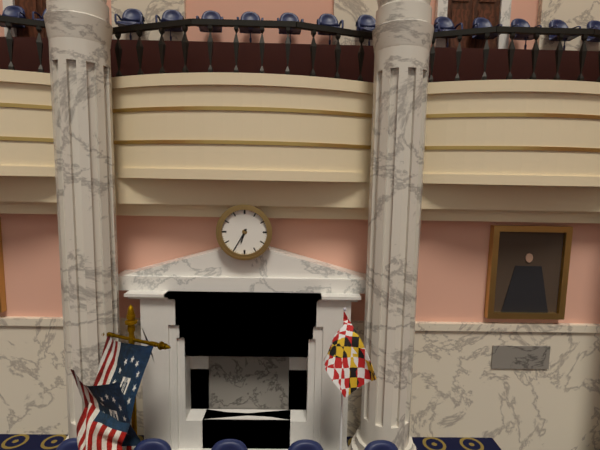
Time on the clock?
6:35
